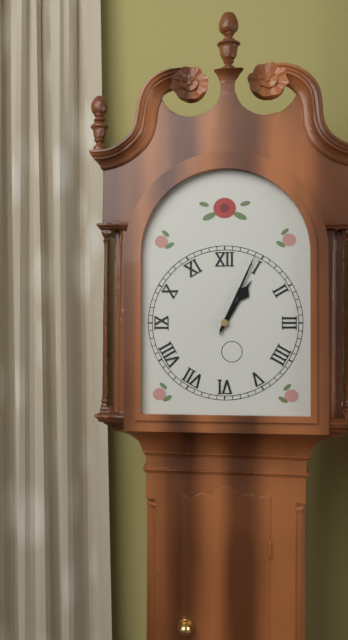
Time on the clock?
1:04
